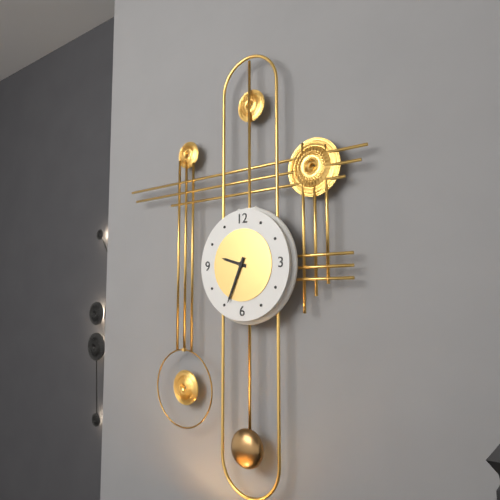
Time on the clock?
9:34
